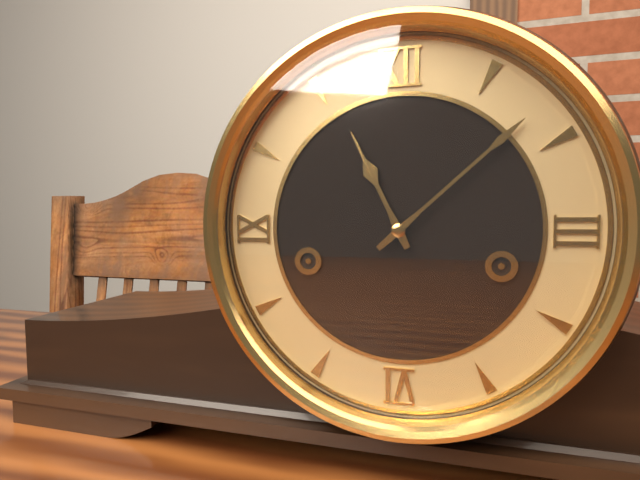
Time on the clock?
11:08
